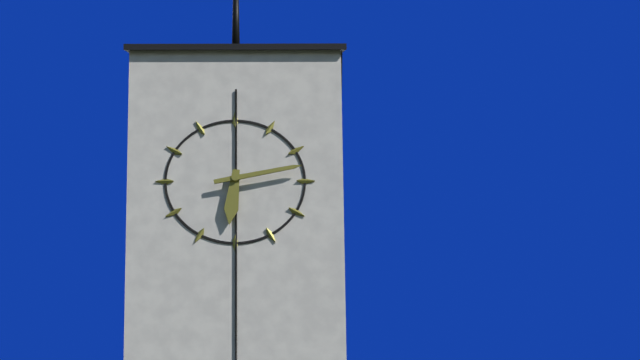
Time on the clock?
6:13
